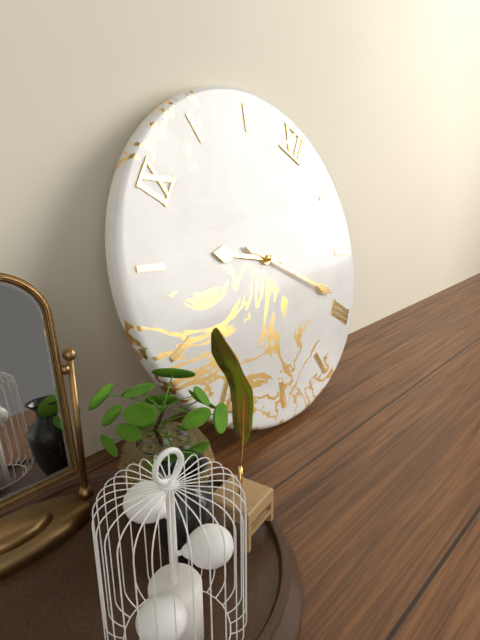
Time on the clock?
8:14
